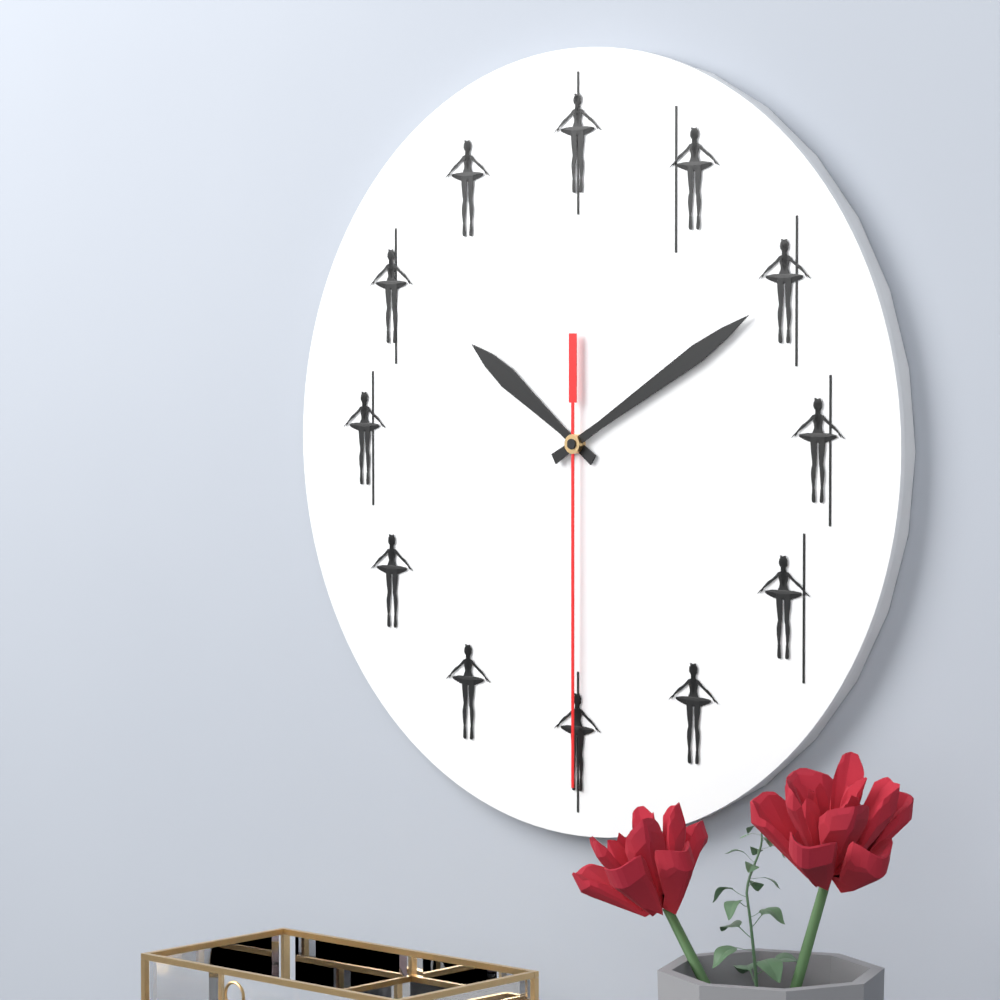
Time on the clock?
10:10:30
